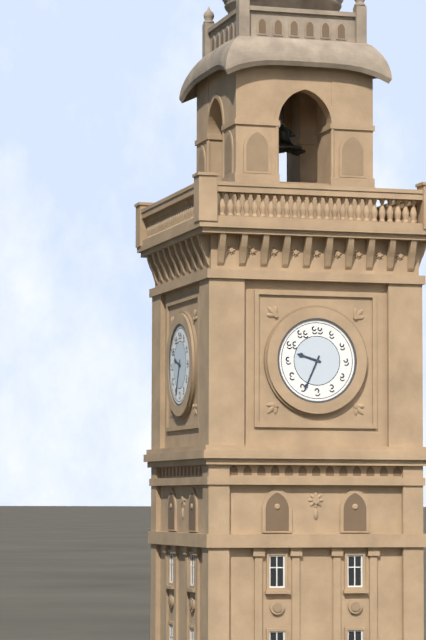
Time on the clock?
9:34
